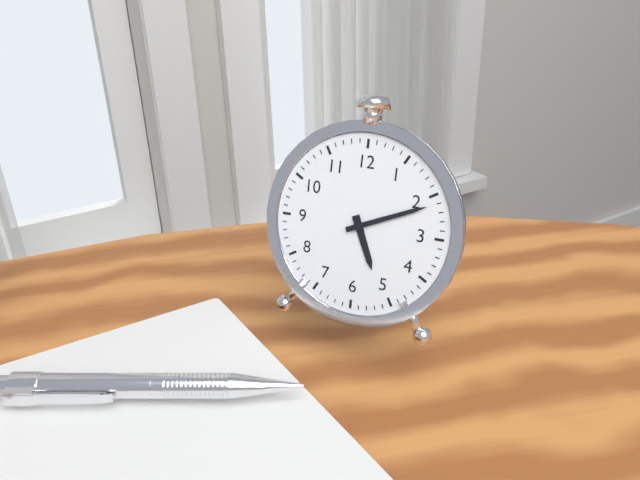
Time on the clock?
5:11
